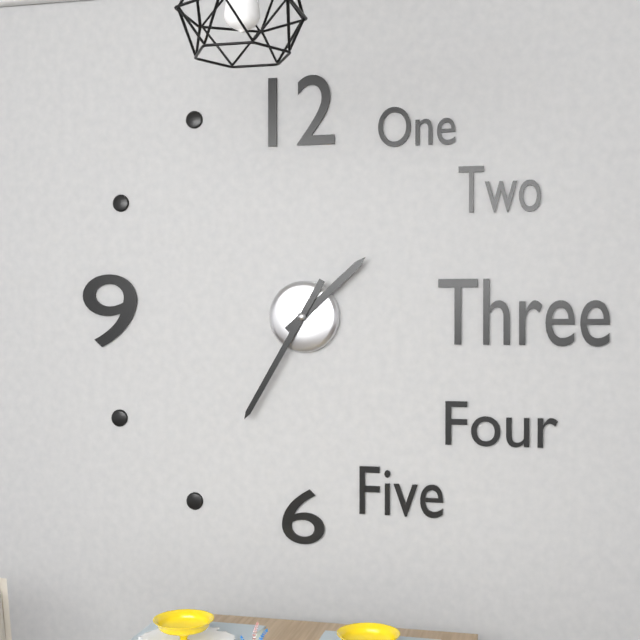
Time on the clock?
1:35
